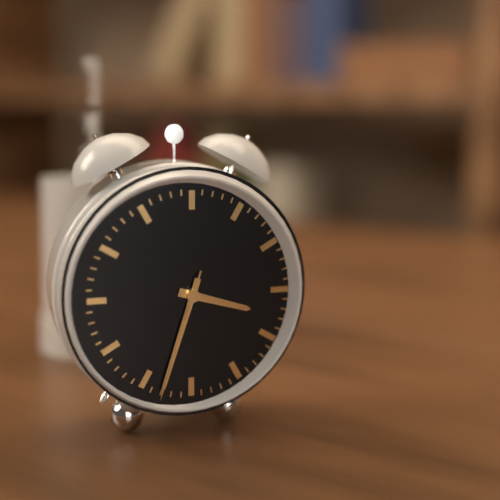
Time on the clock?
3:33:33
